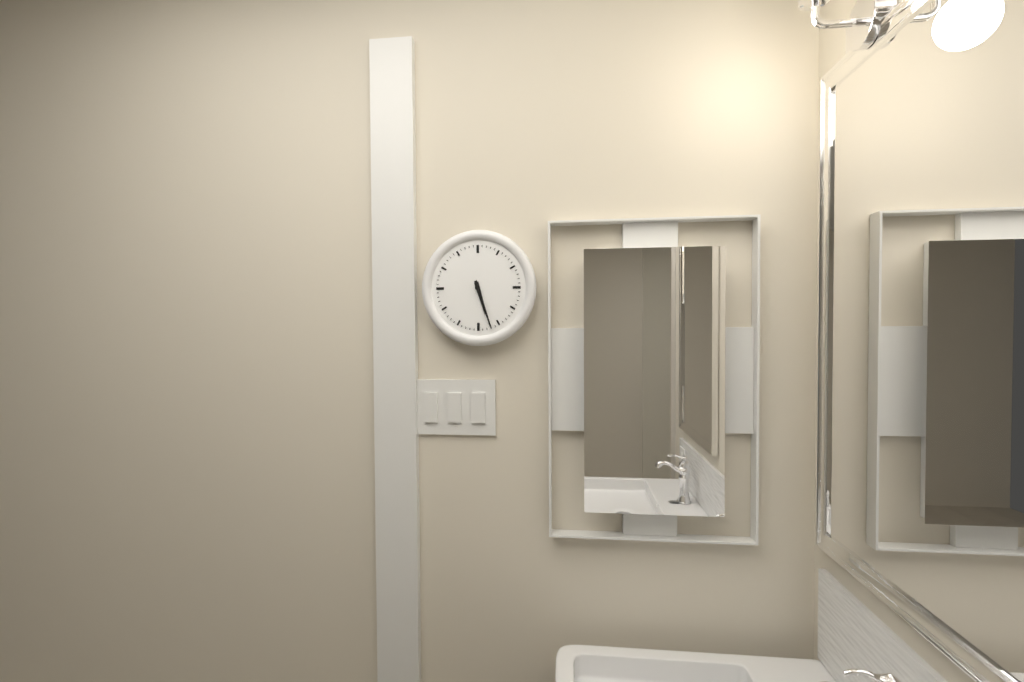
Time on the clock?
5:27
